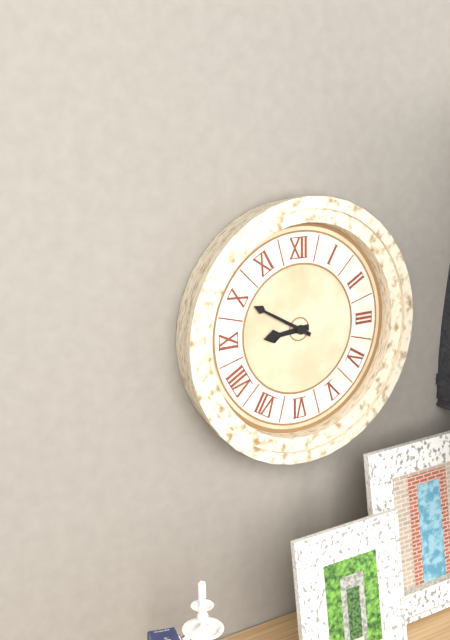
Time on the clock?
8:50
